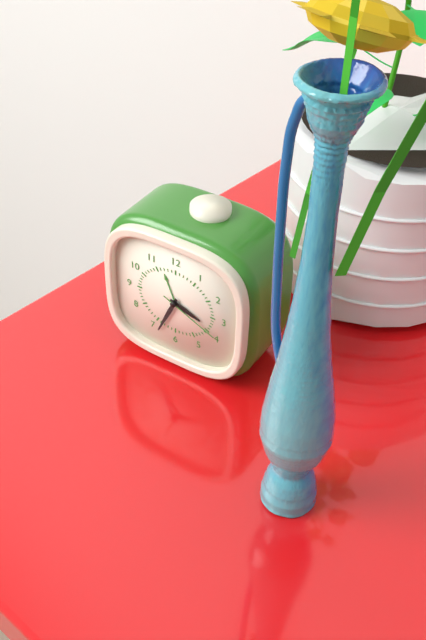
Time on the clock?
3:34:19
